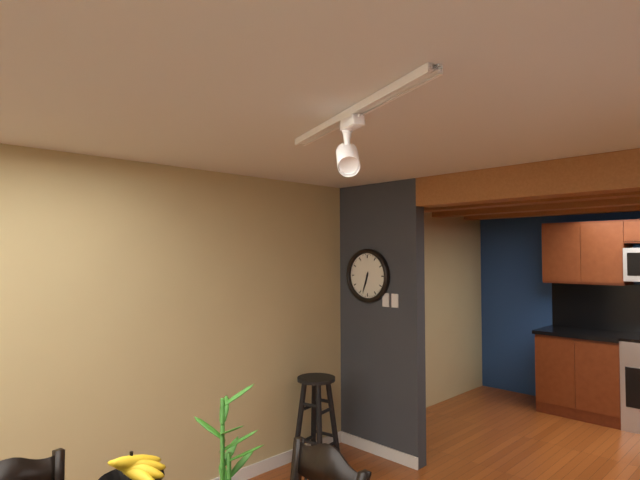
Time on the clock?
6:33
